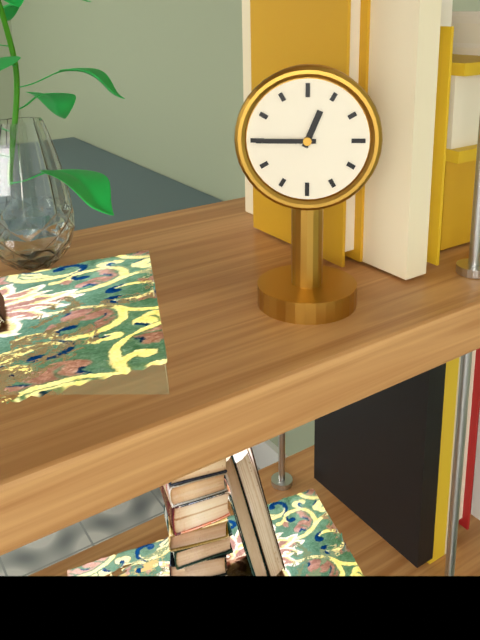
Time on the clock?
12:45
